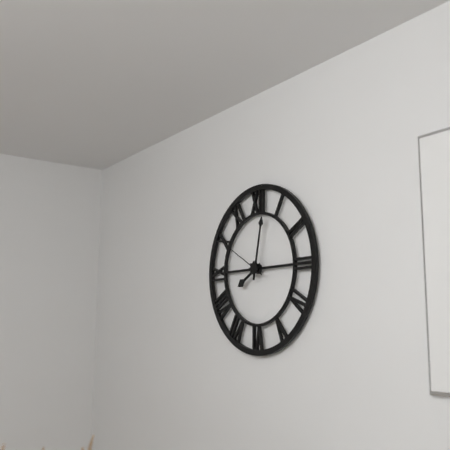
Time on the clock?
8:02
